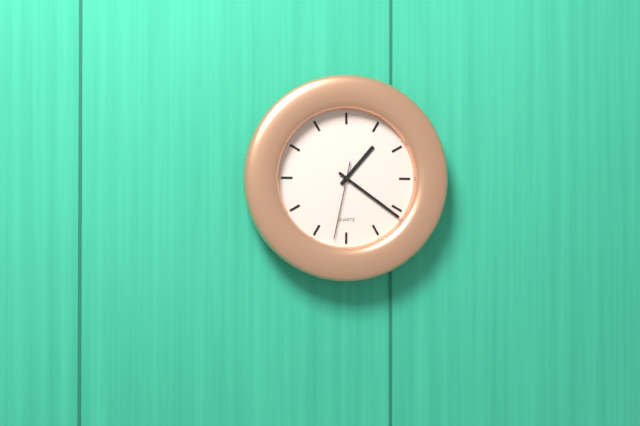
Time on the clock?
1:21:32
